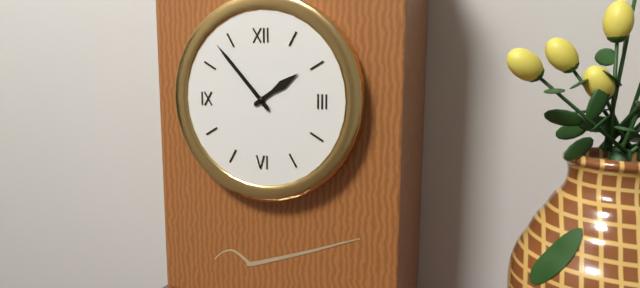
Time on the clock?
1:53
